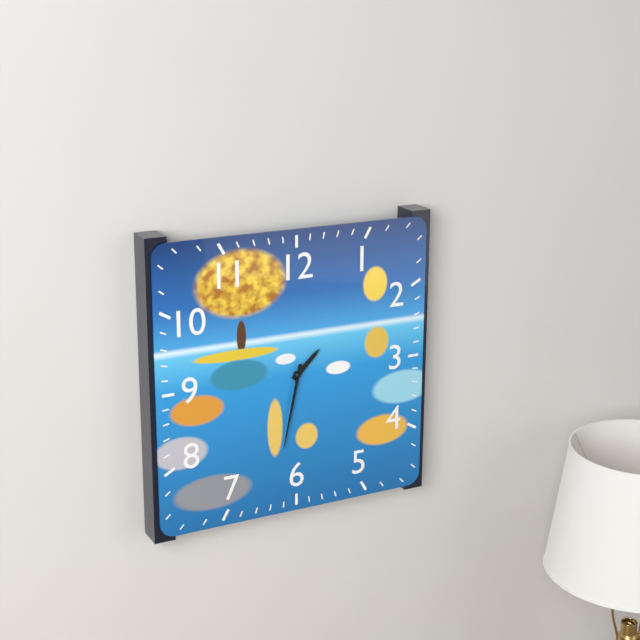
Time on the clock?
1:32
